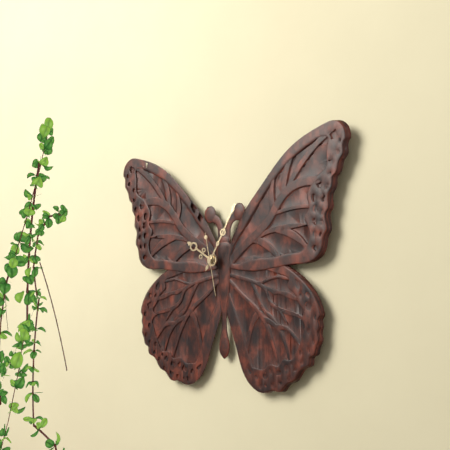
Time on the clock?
10:05
